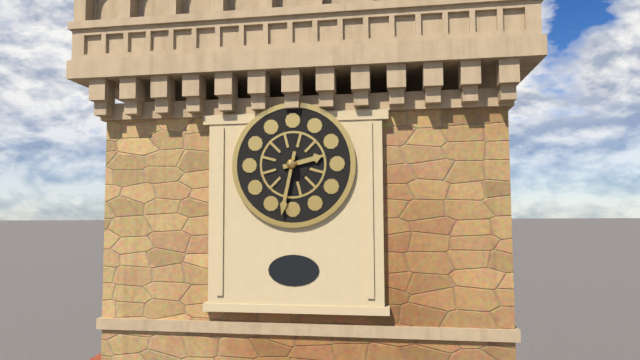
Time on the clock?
2:32
